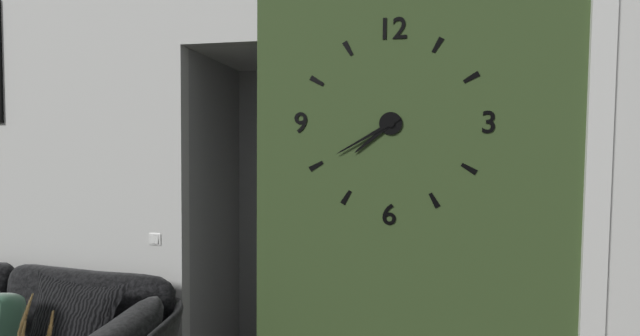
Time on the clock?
7:40
